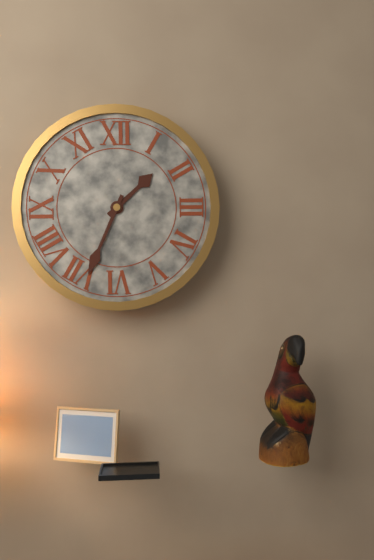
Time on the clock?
1:34
